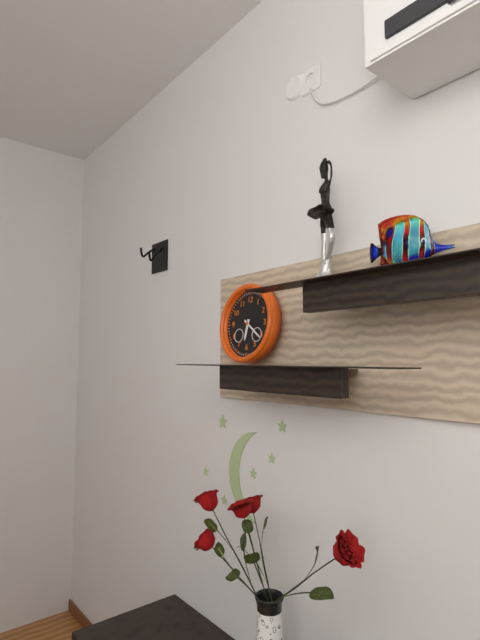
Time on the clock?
6:21
